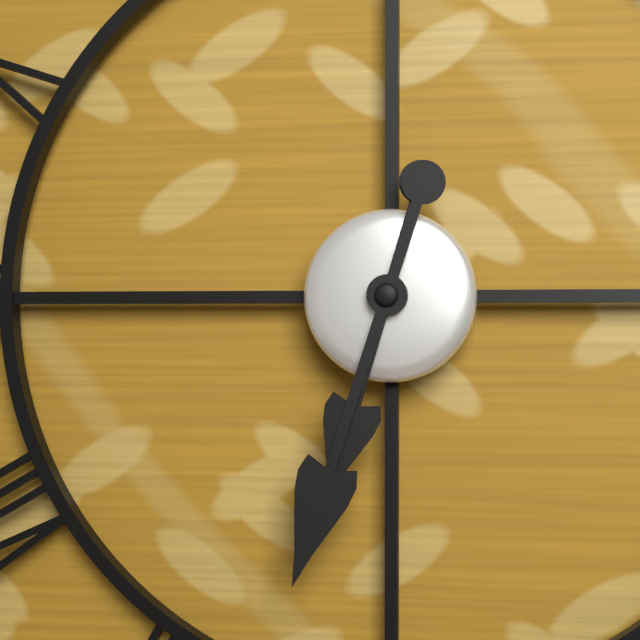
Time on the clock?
6:33
